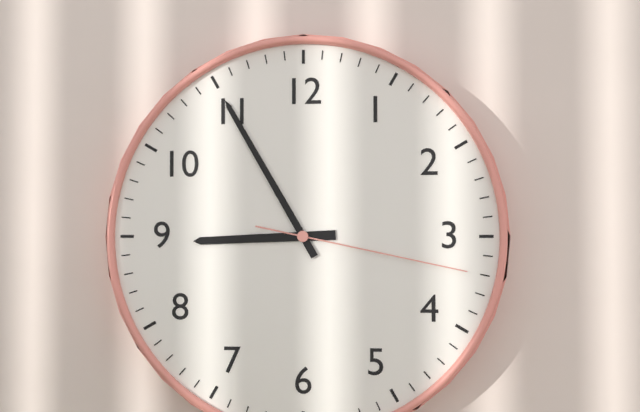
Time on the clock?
8:55:17
